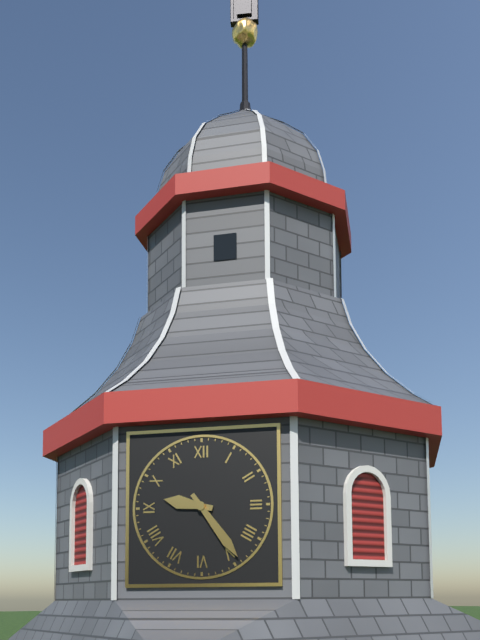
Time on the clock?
9:24
